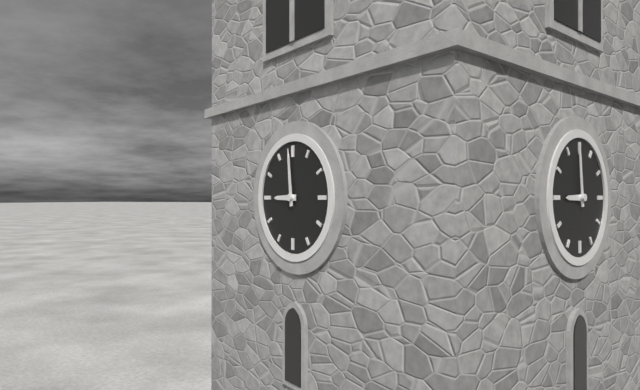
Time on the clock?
8:59
